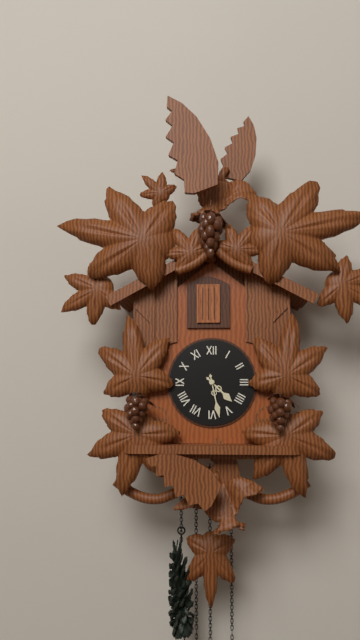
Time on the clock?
4:28
